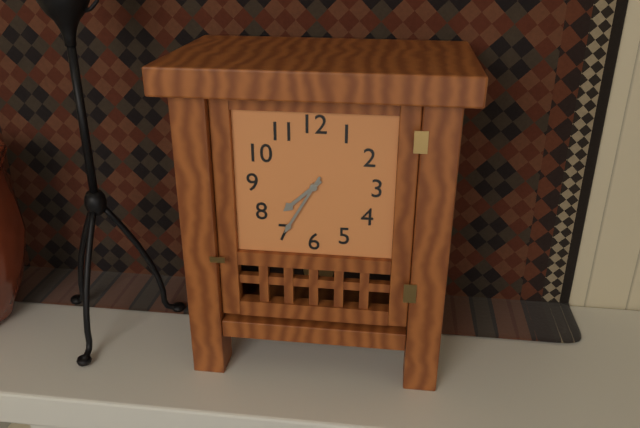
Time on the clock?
7:35
